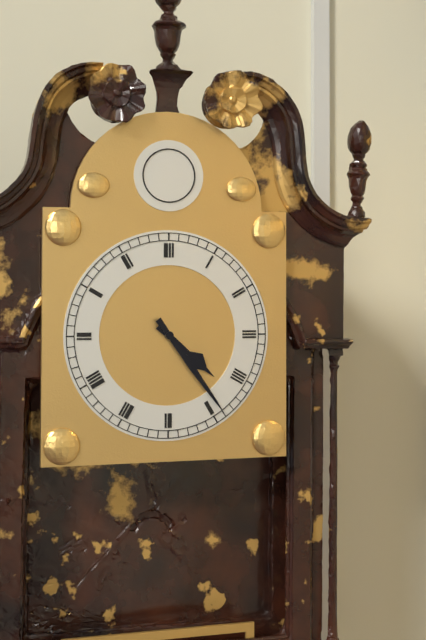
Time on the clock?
4:24
